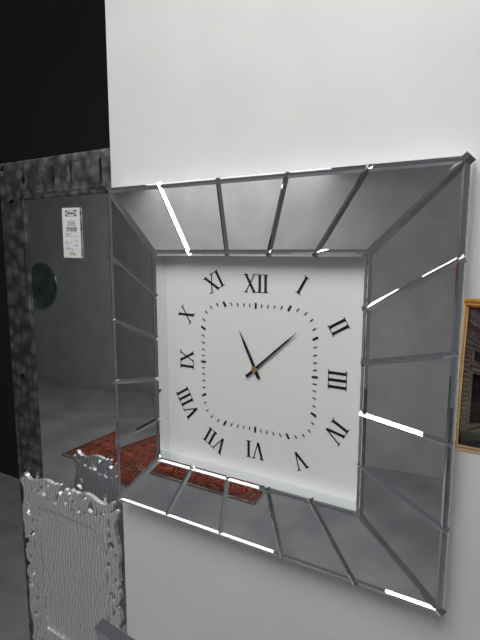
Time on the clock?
11:08
